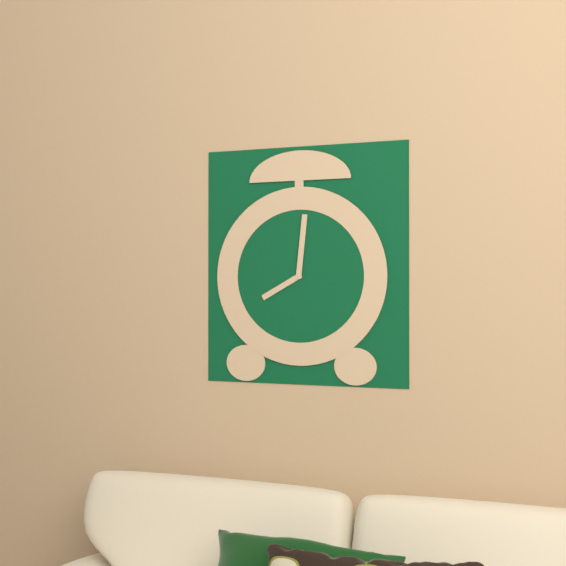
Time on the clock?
8:01
